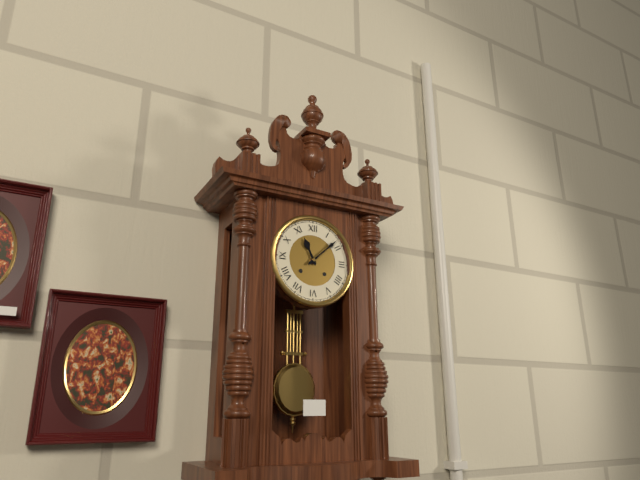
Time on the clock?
11:08
